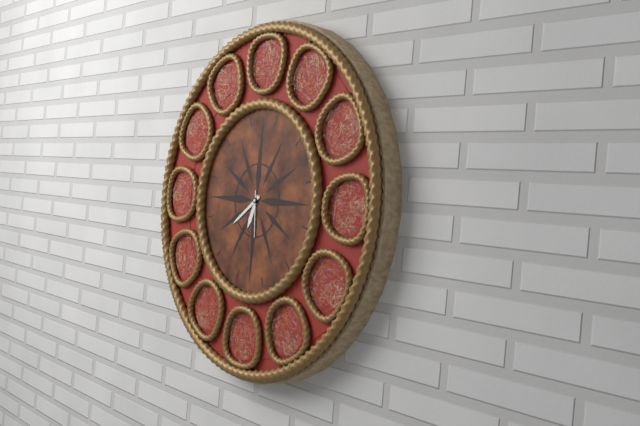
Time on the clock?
6:39
